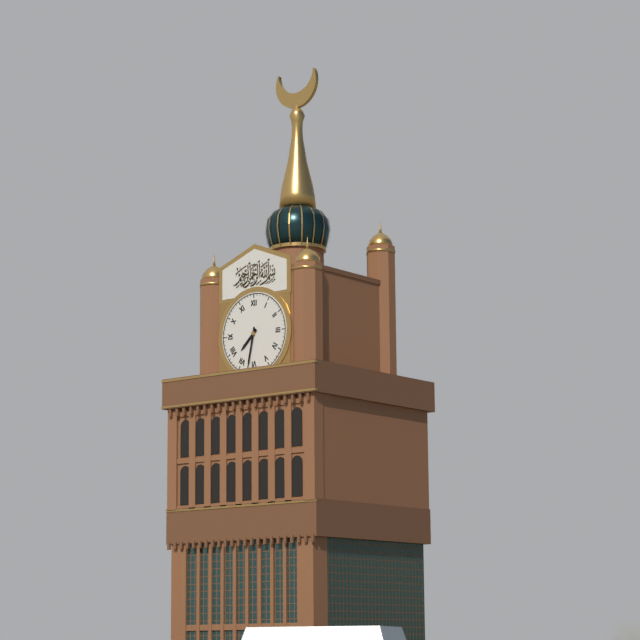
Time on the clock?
7:32
